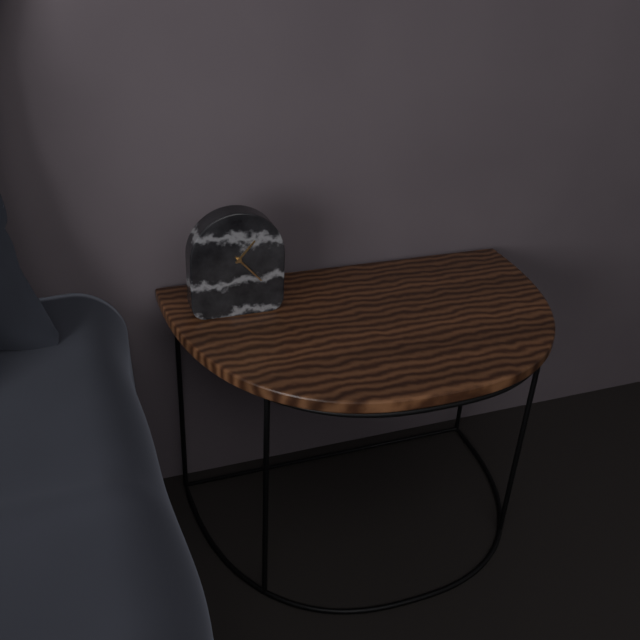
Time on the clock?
1:23
